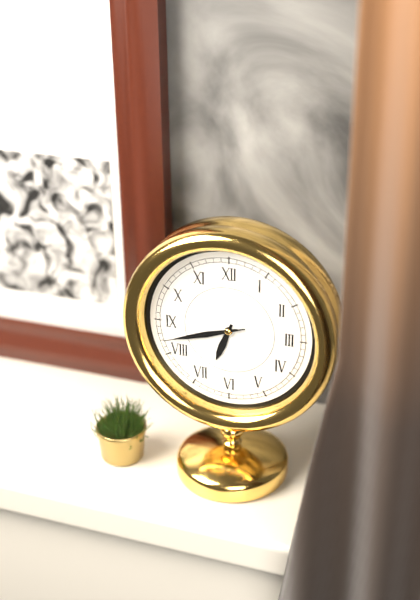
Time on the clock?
6:42:42
